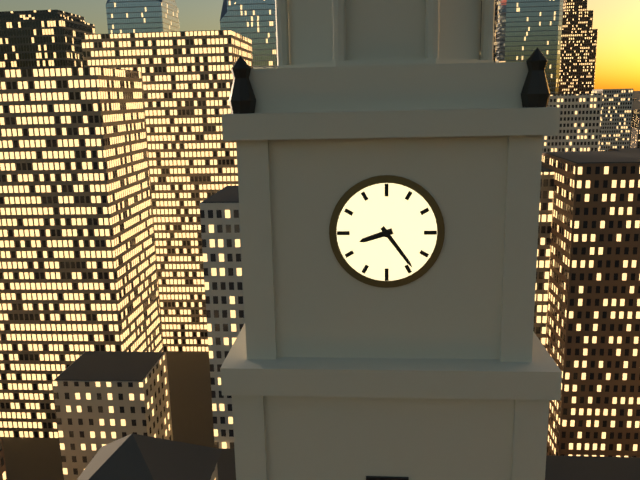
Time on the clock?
8:24
